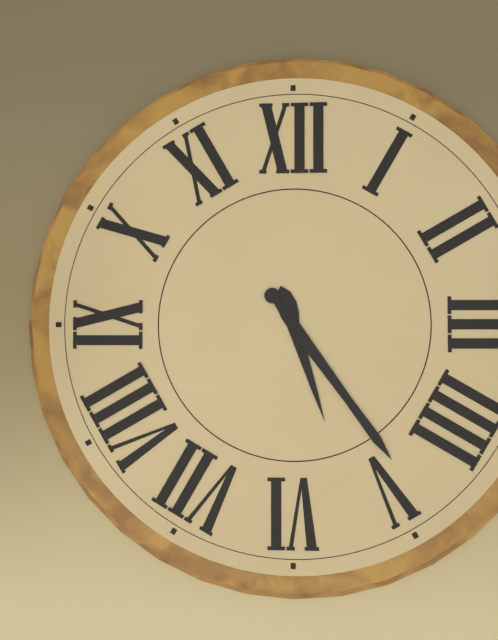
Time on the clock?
5:24
